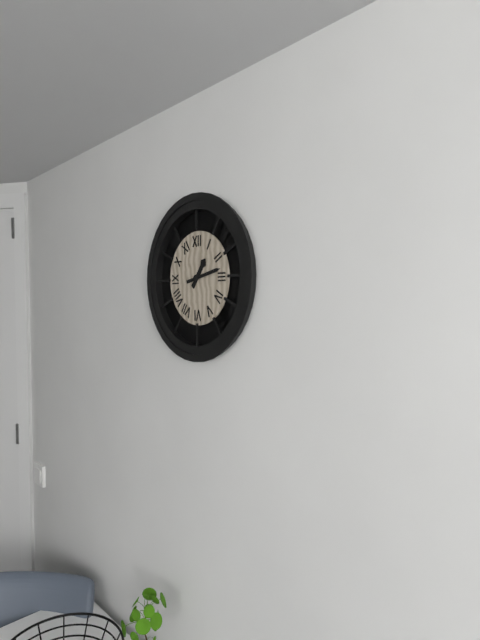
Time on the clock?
1:13
